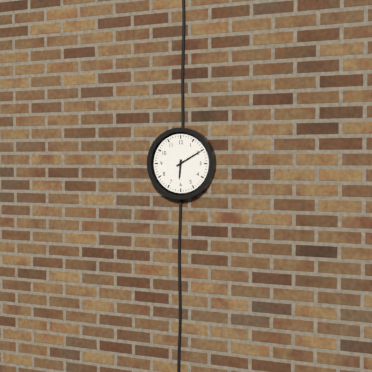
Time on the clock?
6:10
